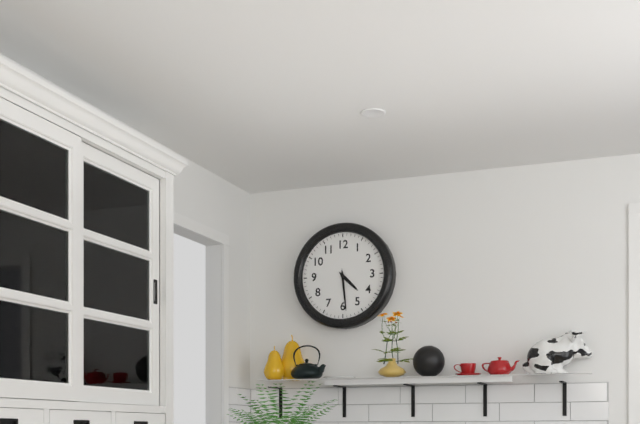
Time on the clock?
4:29
